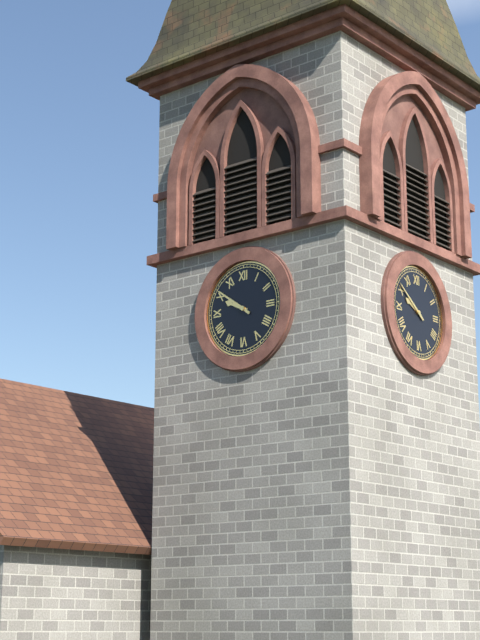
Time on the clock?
9:51
